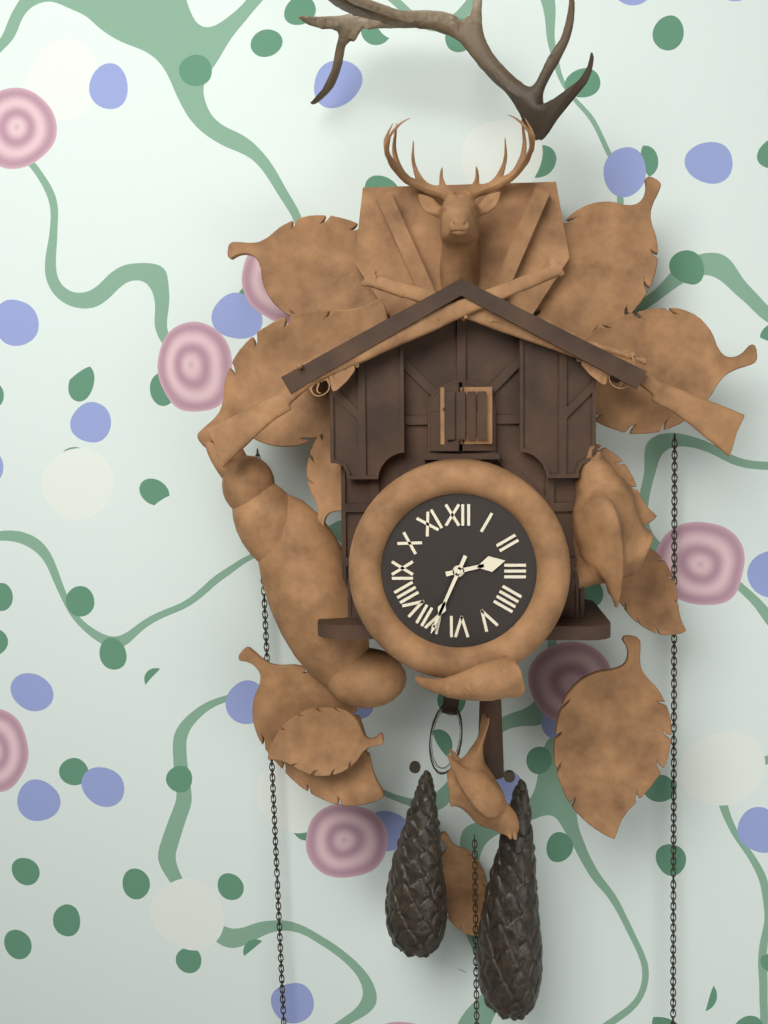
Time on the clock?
2:34
